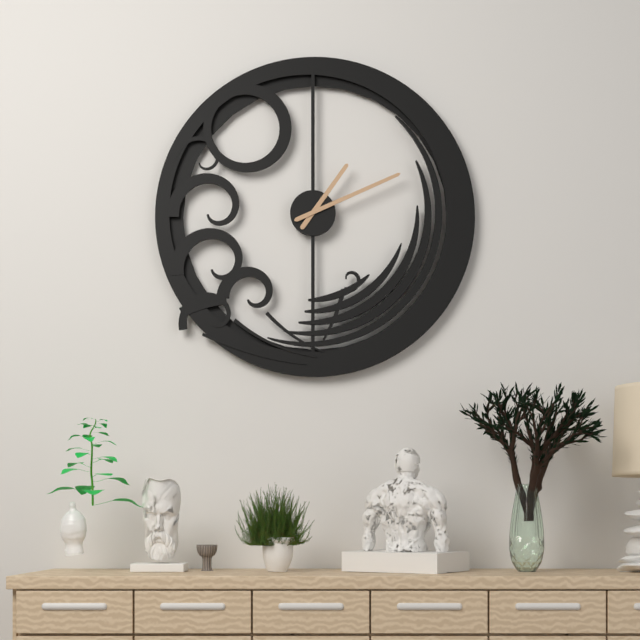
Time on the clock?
1:11
